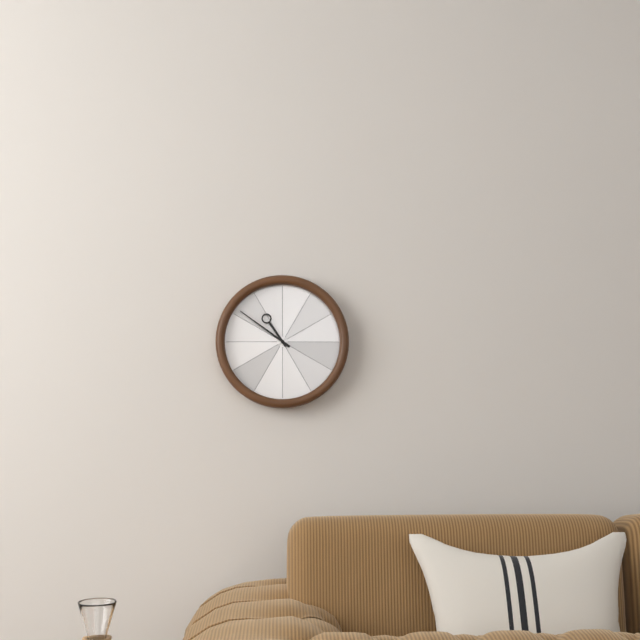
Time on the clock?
10:51
